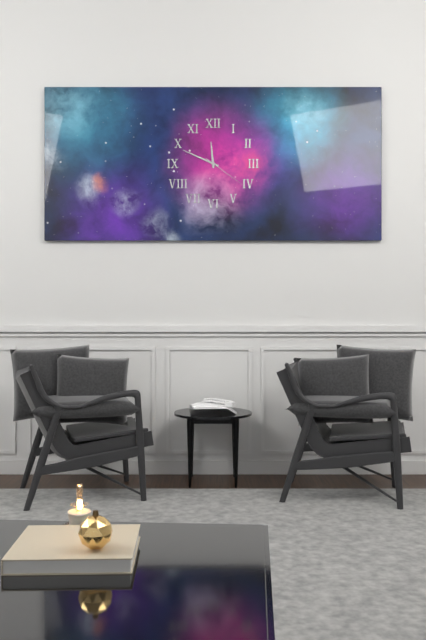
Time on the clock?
11:49
